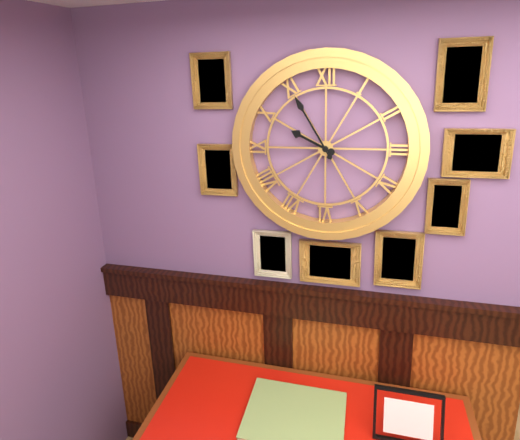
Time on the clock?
9:55
